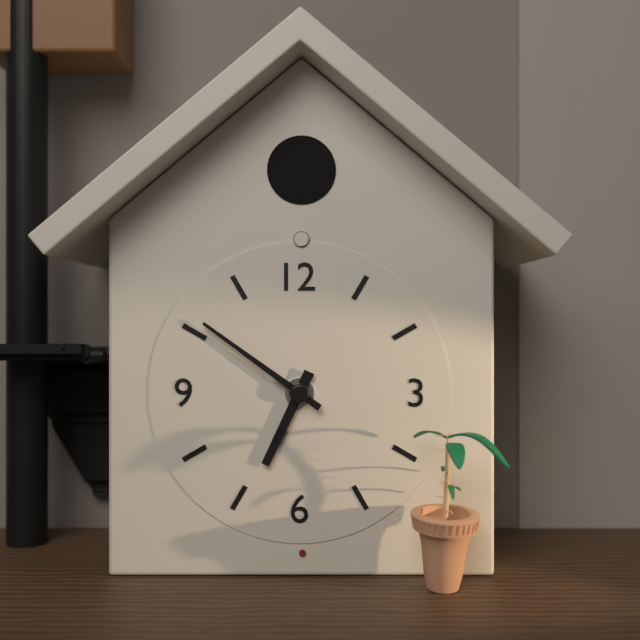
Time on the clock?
6:51
